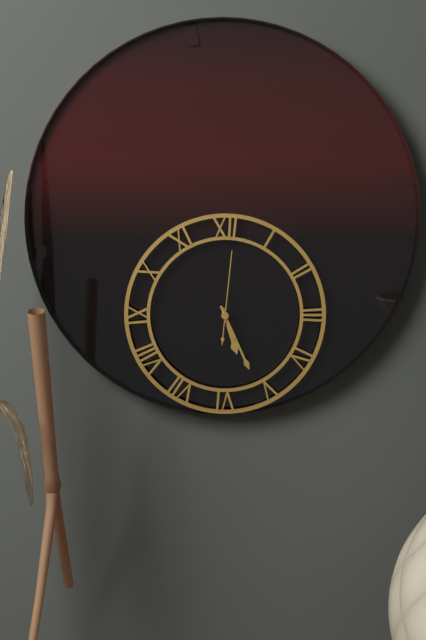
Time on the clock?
5:26:01
